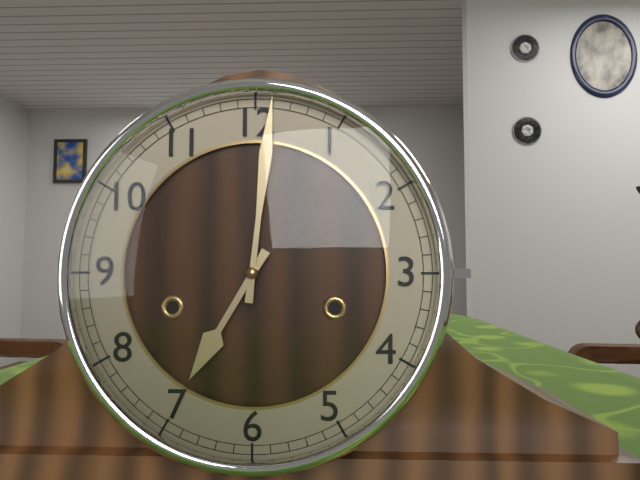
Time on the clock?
7:01
